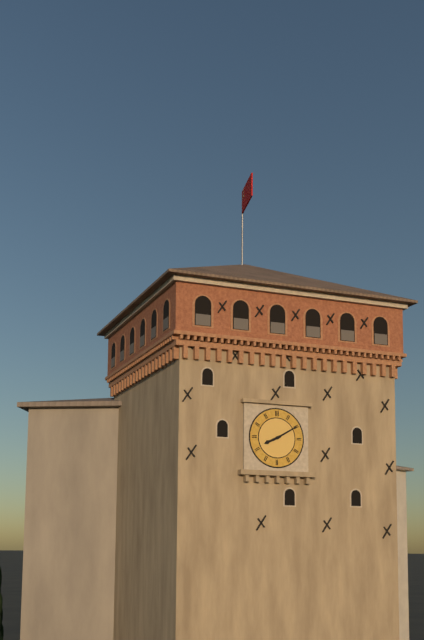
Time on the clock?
8:10
